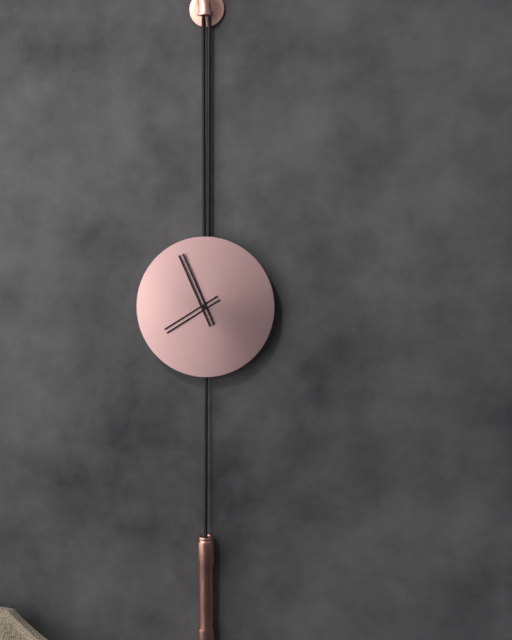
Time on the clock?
7:56
